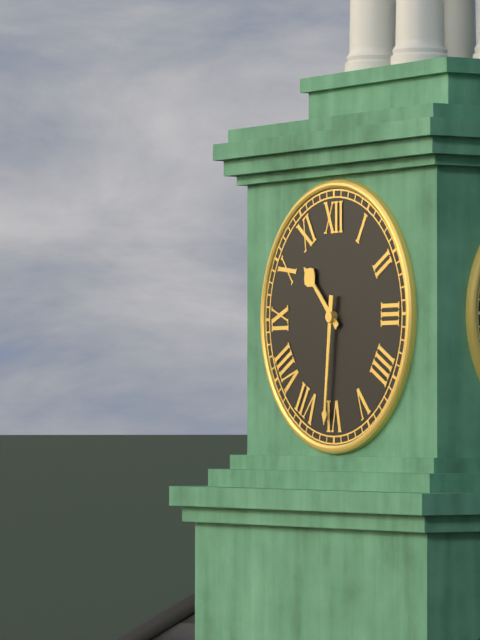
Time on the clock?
10:31
